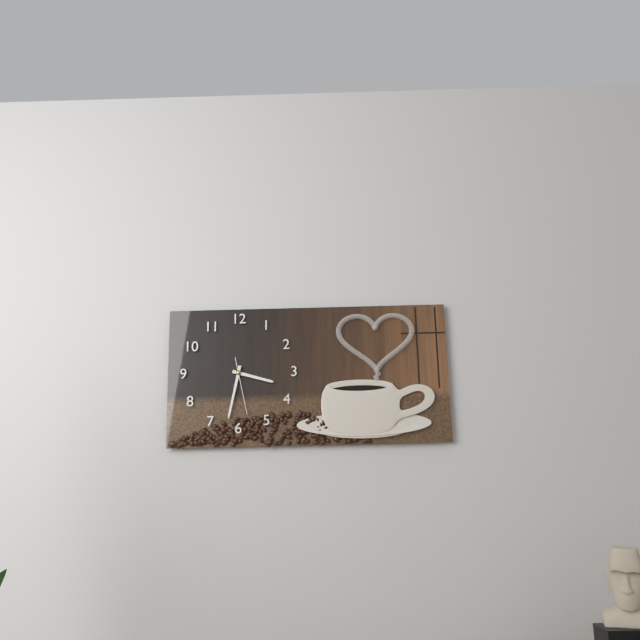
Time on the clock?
3:32:28
